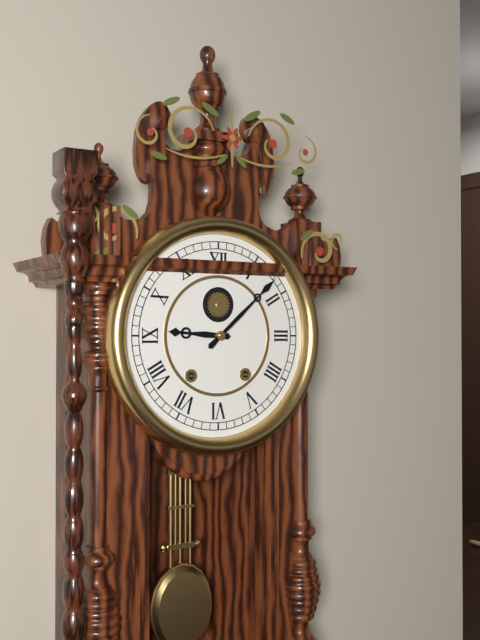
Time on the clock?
9:08
